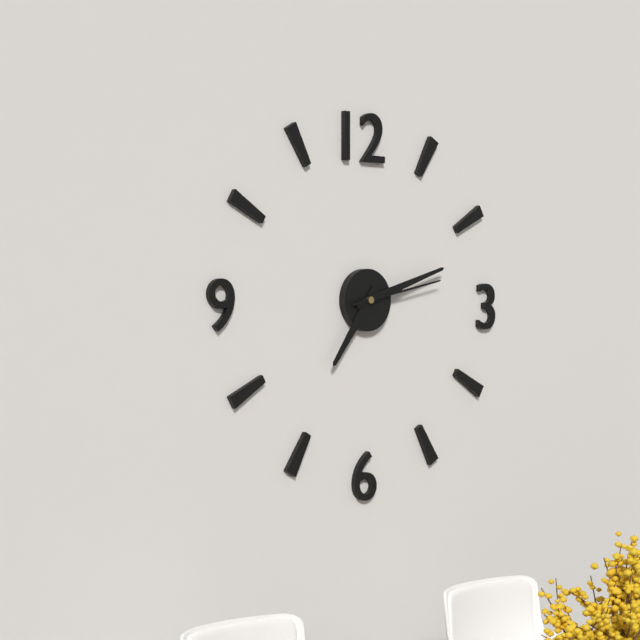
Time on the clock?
7:12:13
